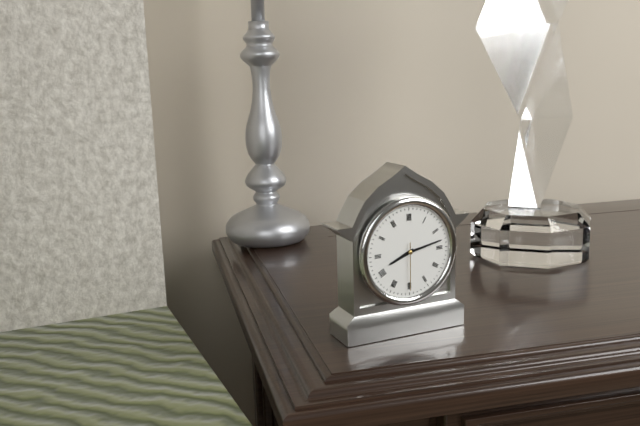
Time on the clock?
8:13
